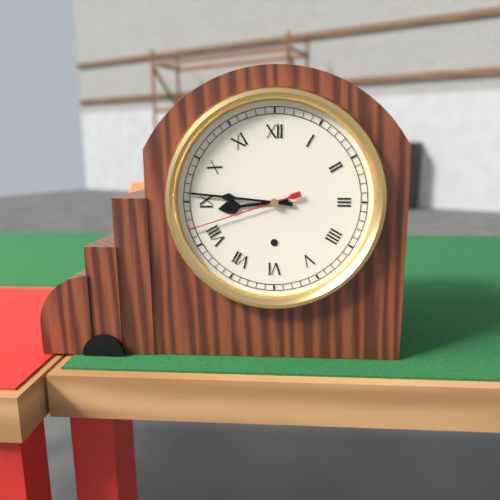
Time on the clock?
8:46:42
